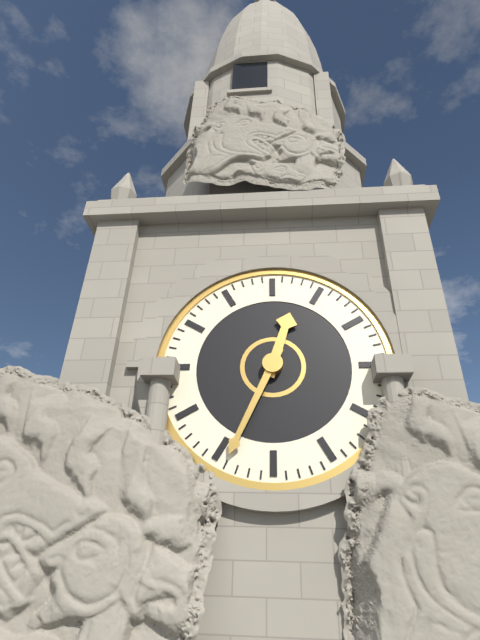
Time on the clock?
12:34
